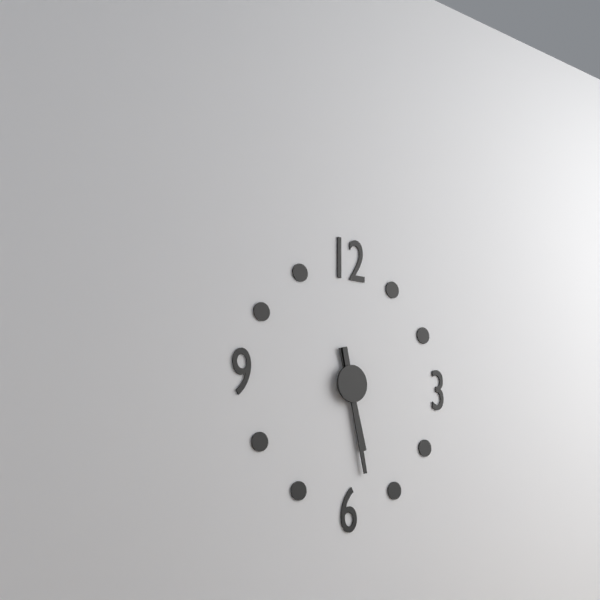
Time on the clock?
5:28
